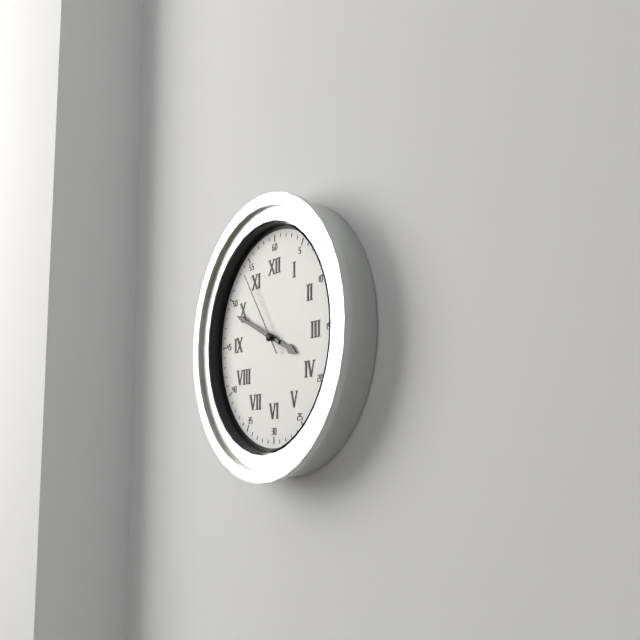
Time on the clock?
3:49:54
